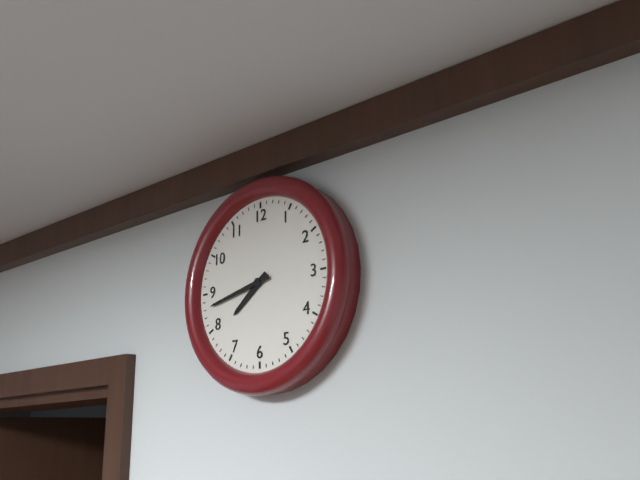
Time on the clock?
7:43
